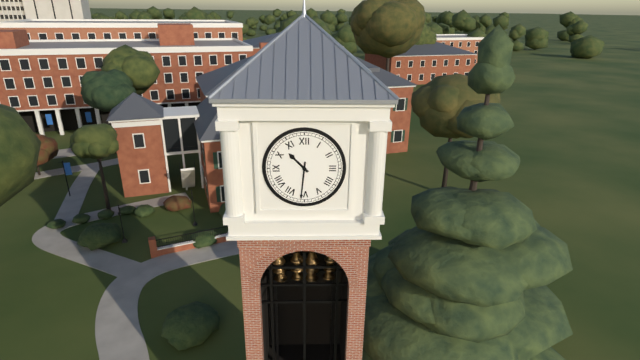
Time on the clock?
10:31
